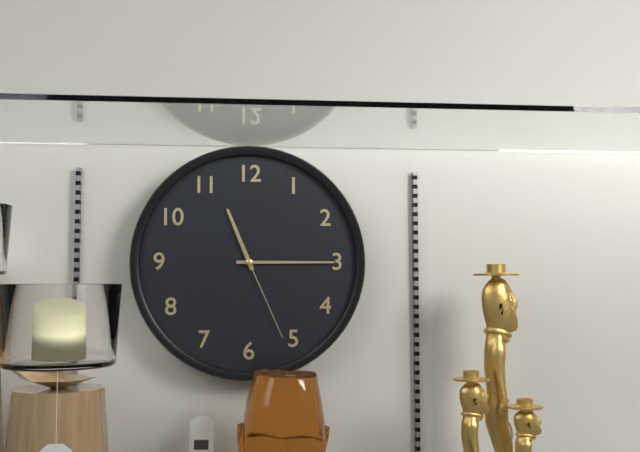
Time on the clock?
11:15:26
